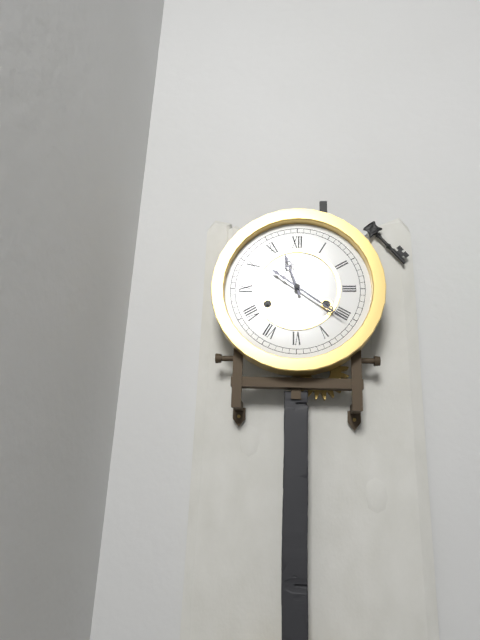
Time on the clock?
11:21
